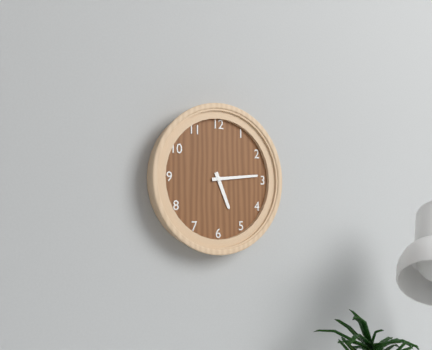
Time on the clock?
5:14
